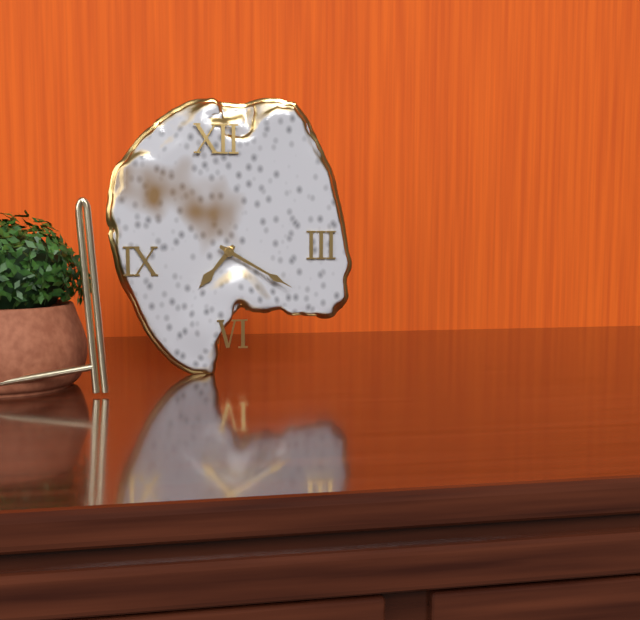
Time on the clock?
7:20
